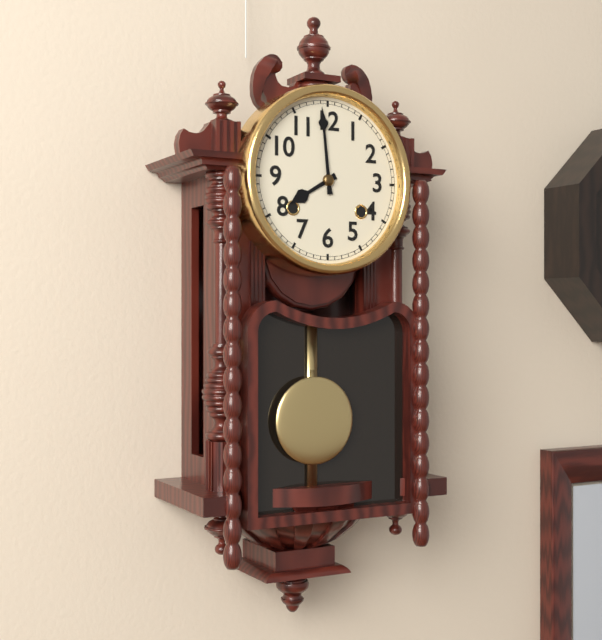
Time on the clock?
7:59
